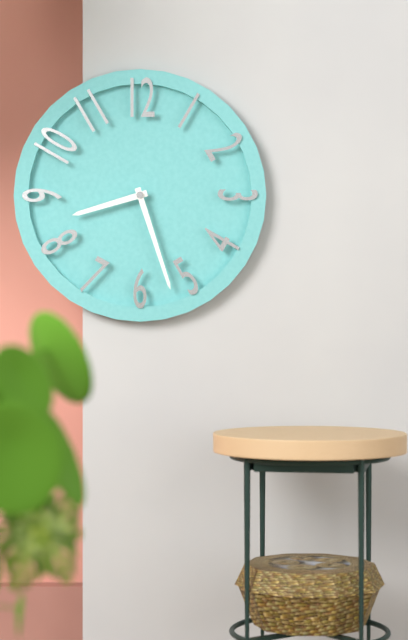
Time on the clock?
8:27
